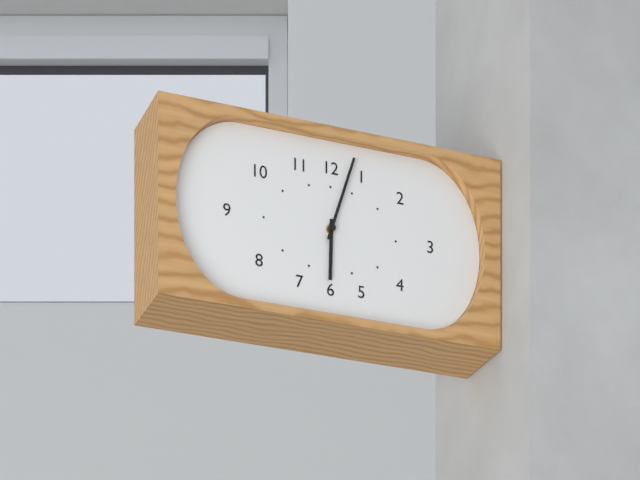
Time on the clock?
6:03
